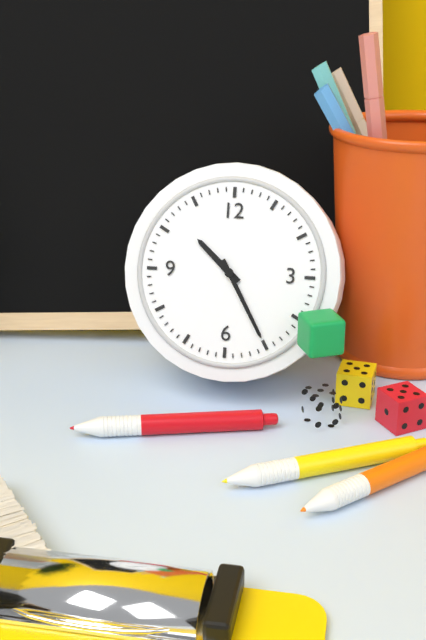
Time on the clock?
10:25
